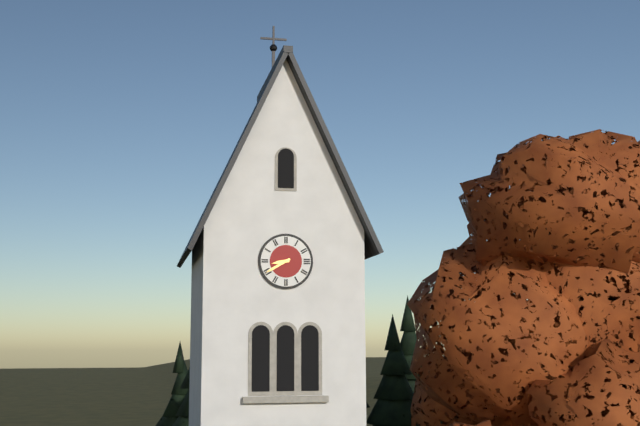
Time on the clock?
8:40
